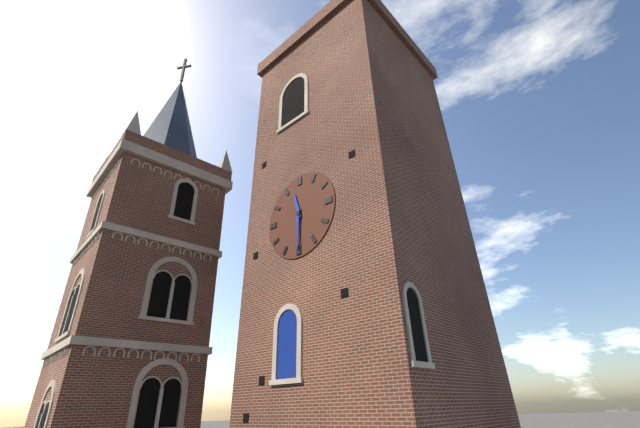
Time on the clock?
11:30
